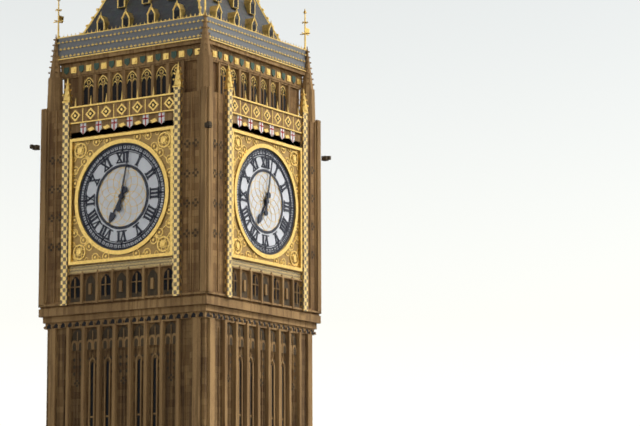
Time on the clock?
7:02
